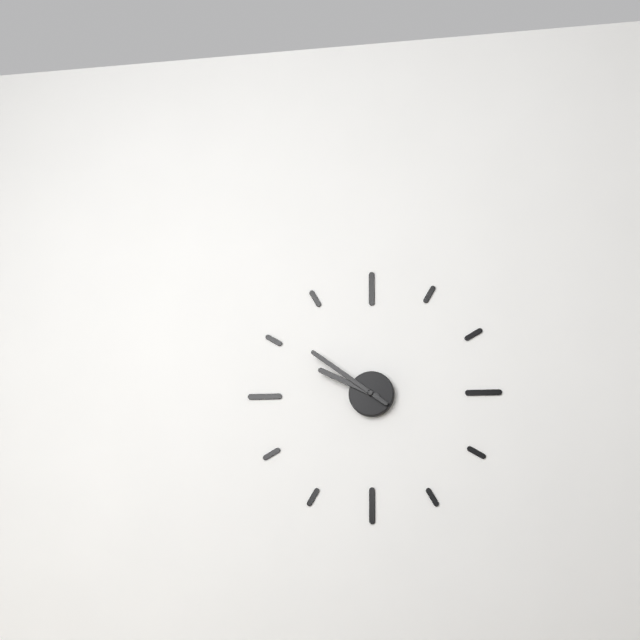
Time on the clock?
9:51
